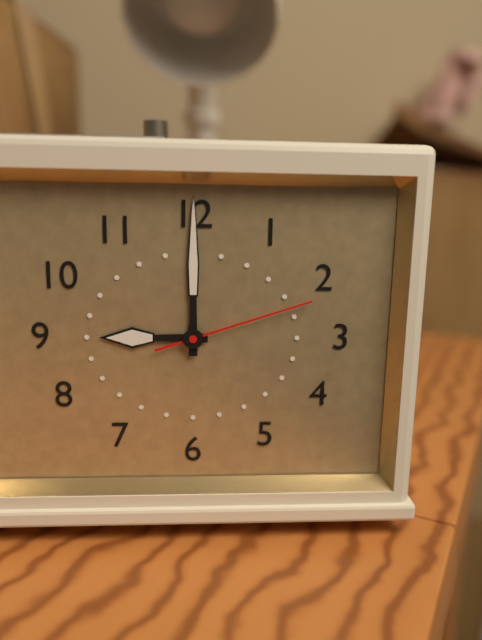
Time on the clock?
9:00:12
